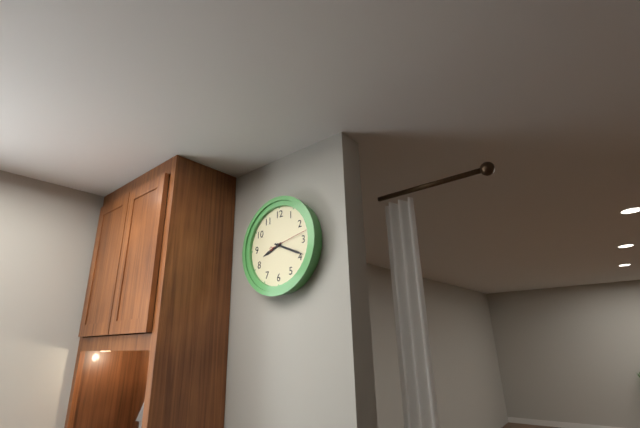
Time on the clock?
8:19
